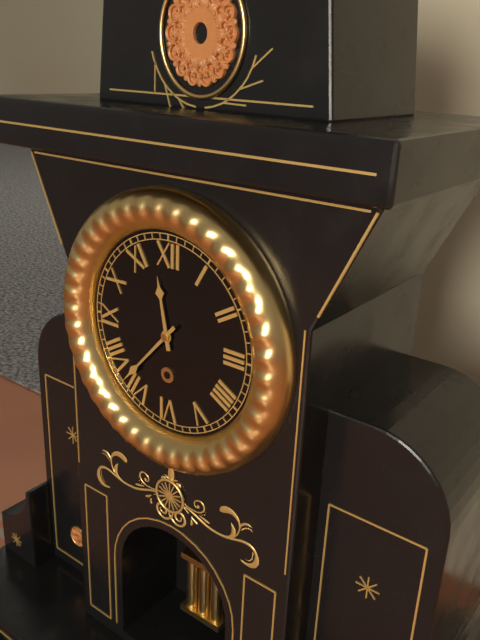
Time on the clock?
11:37
